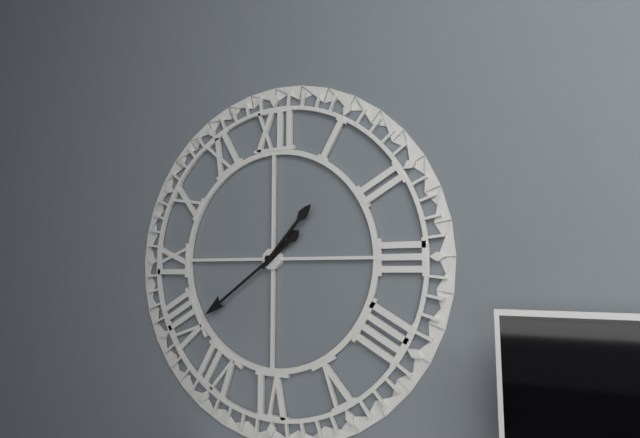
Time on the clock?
1:39:07
